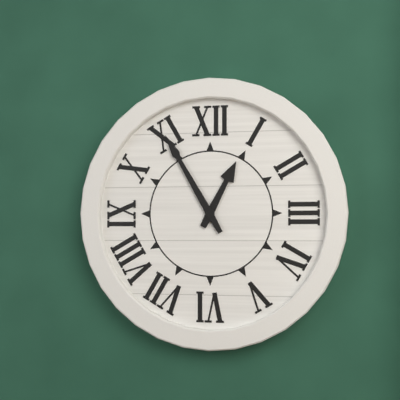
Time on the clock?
12:55
